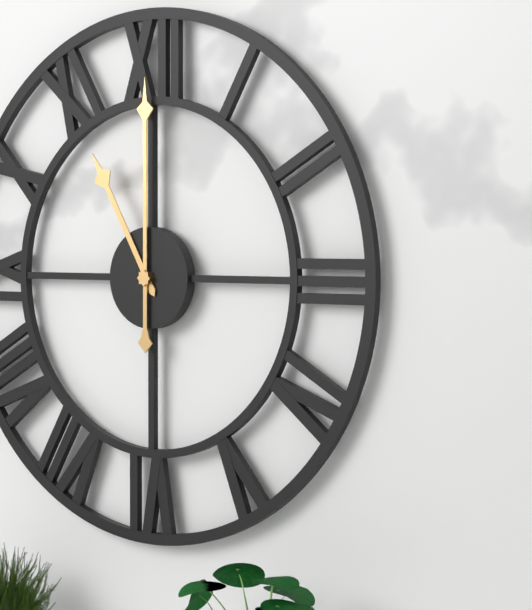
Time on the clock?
11:00
